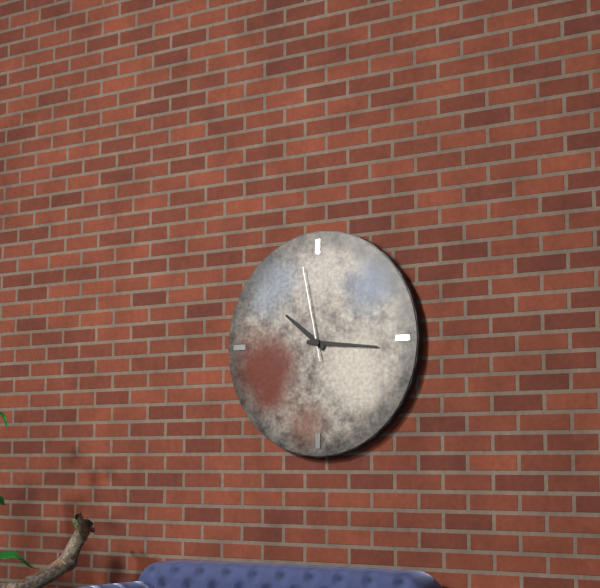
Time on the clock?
10:16:58
